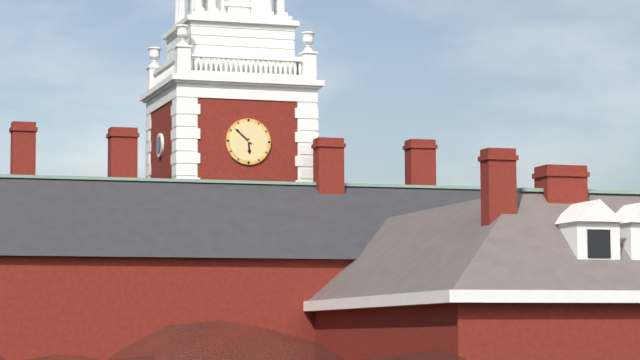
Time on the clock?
5:52
